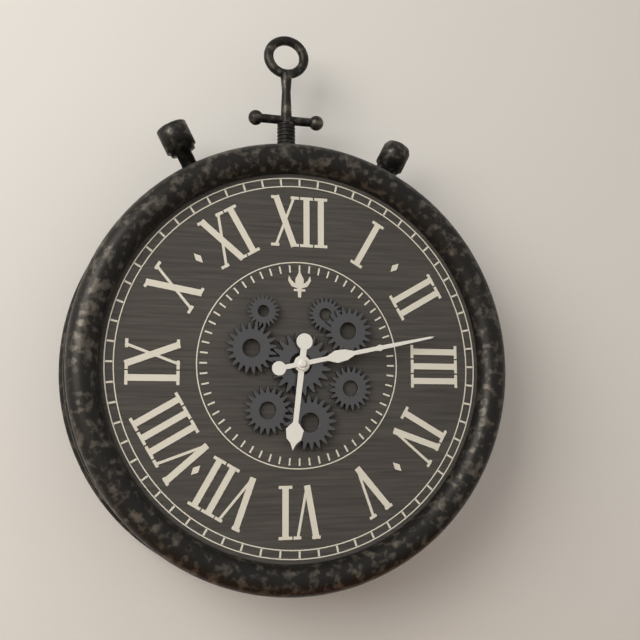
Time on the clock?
6:13
